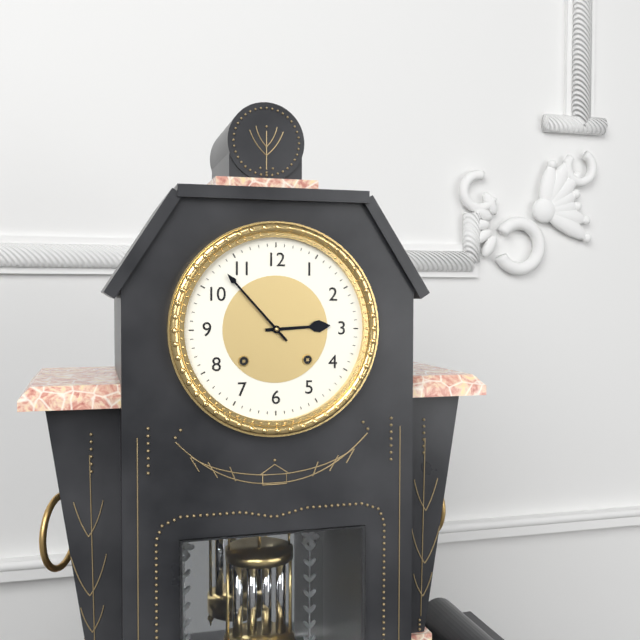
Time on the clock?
2:53
